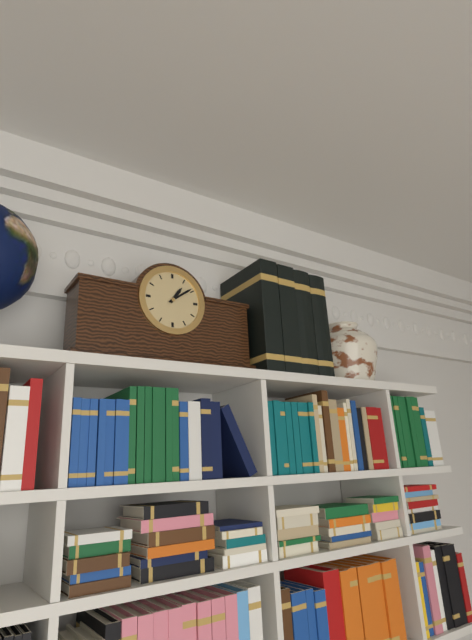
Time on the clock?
1:09
